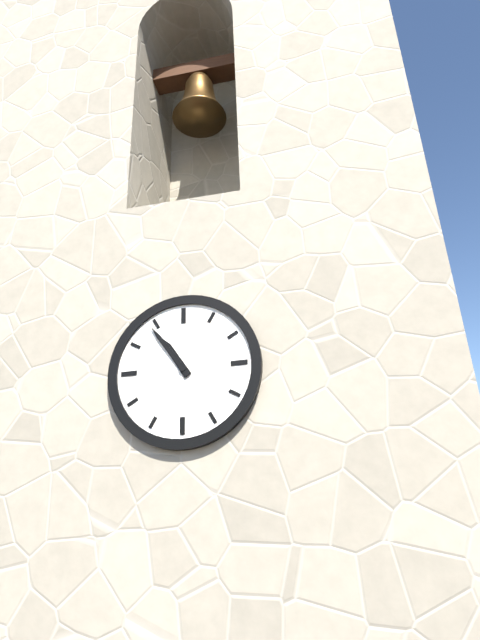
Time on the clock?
10:54
